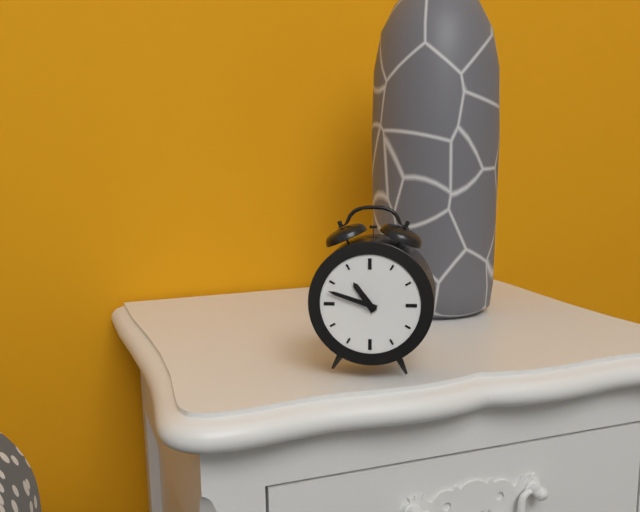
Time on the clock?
10:48
